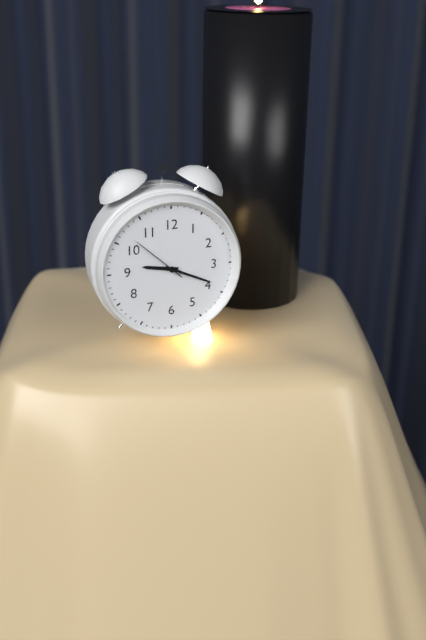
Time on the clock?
9:19:52
